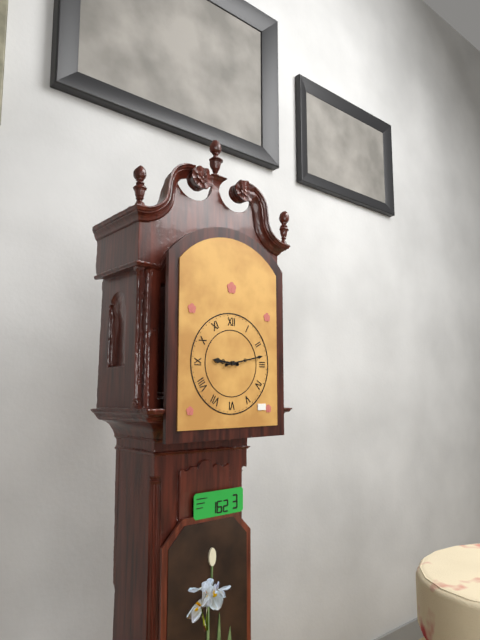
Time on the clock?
9:13
